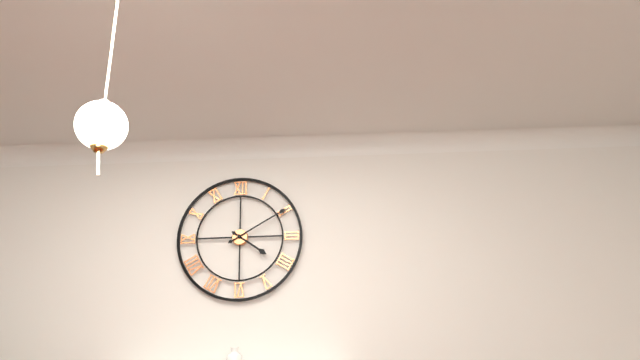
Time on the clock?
4:10
